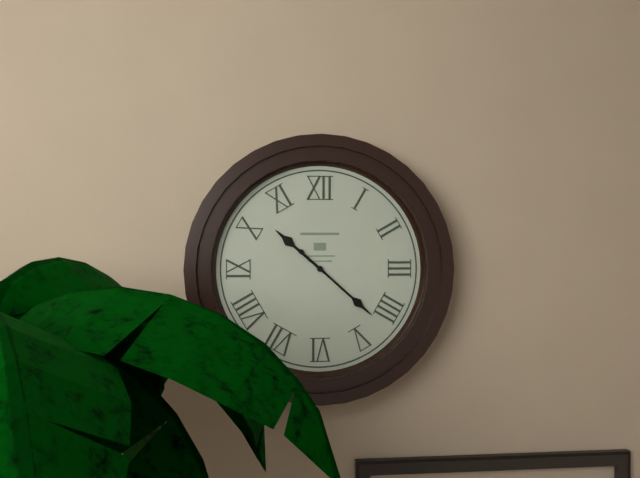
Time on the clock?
10:22
